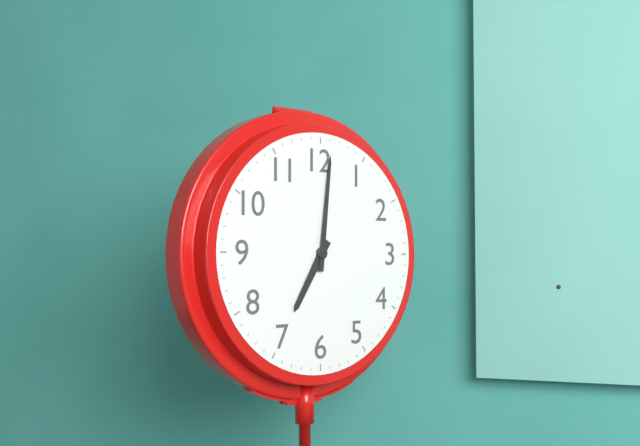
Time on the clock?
7:01
